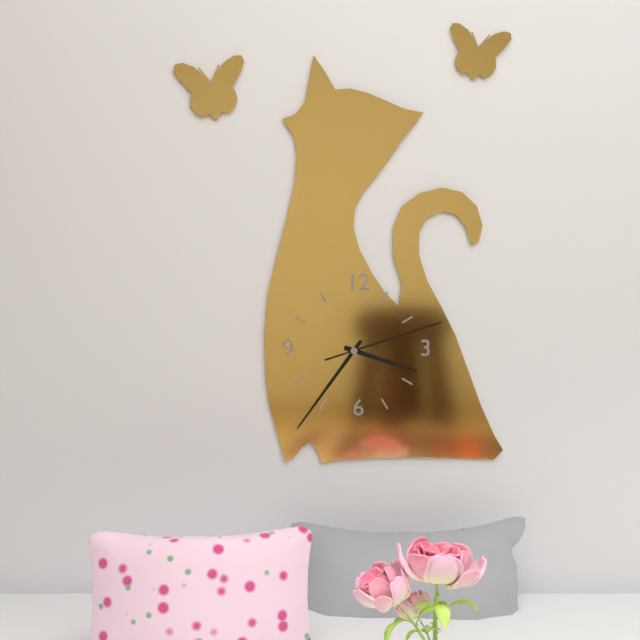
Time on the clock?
3:36:12
